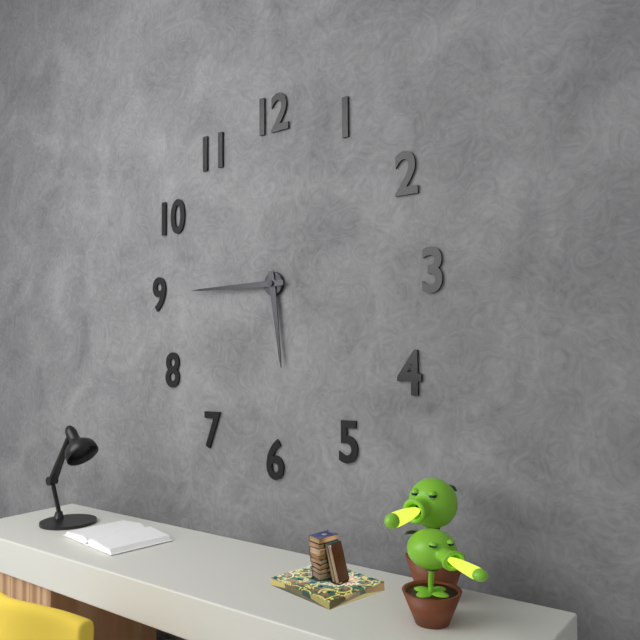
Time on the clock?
5:45
